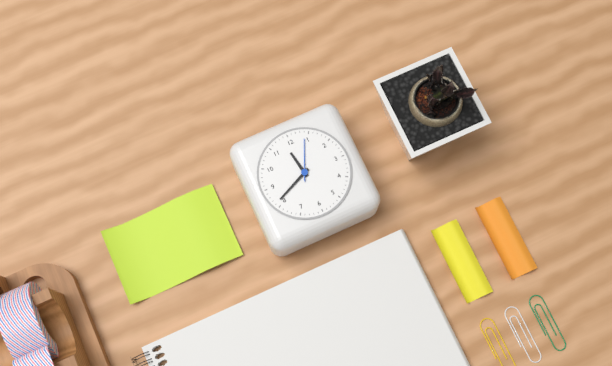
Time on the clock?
11:41
